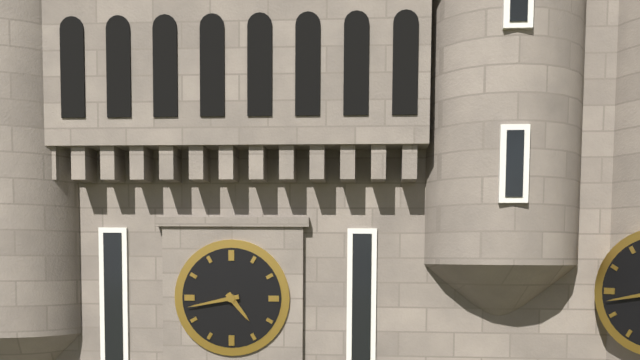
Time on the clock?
4:43
